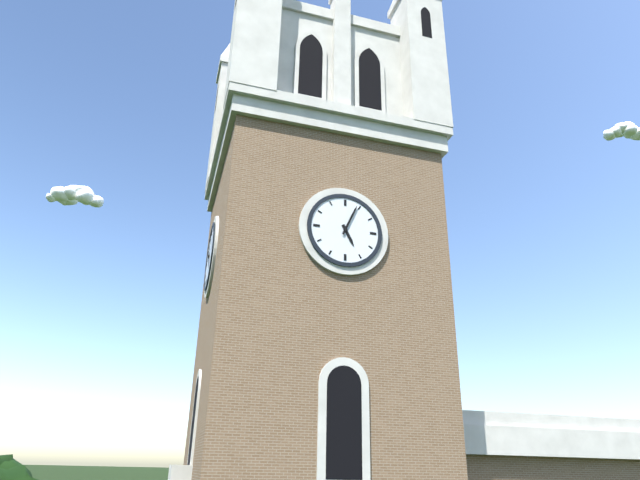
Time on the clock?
5:04
